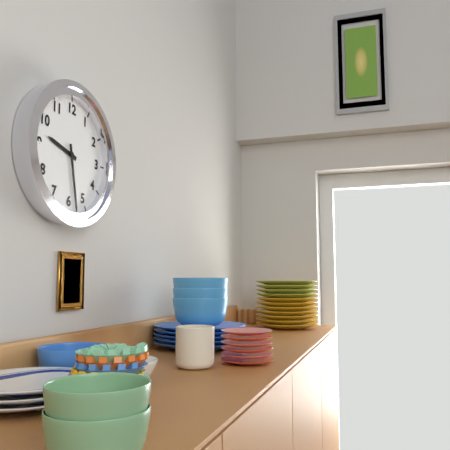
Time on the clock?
9:28
